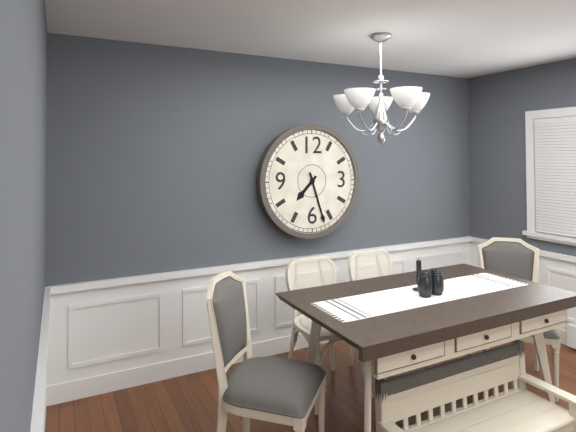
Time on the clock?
7:27
